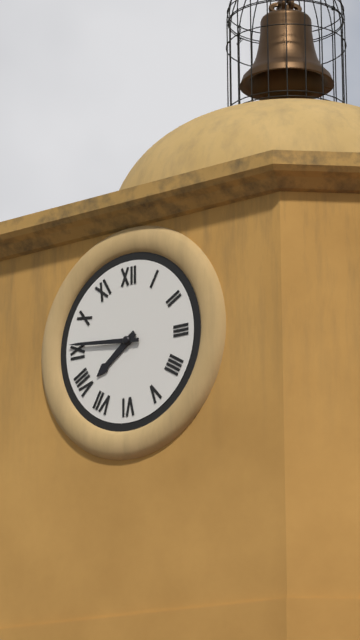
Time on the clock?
7:46
